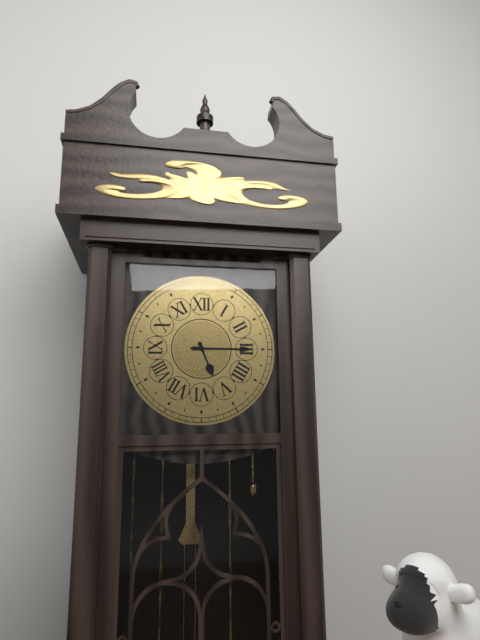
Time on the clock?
5:15
